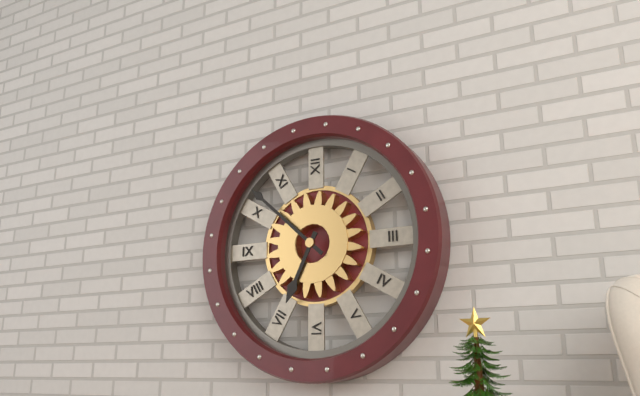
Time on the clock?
6:52
